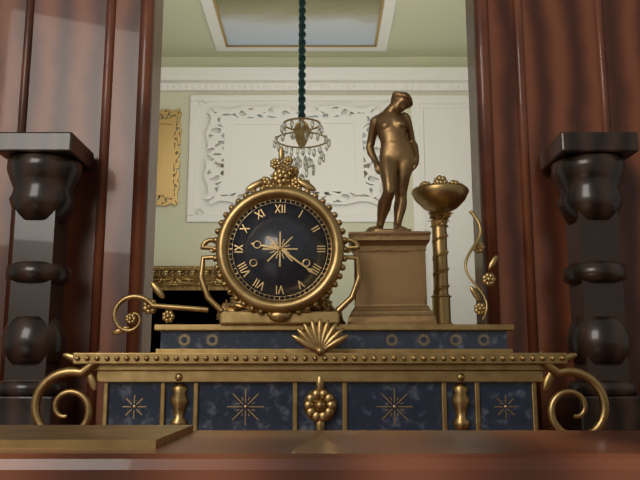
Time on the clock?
9:21
